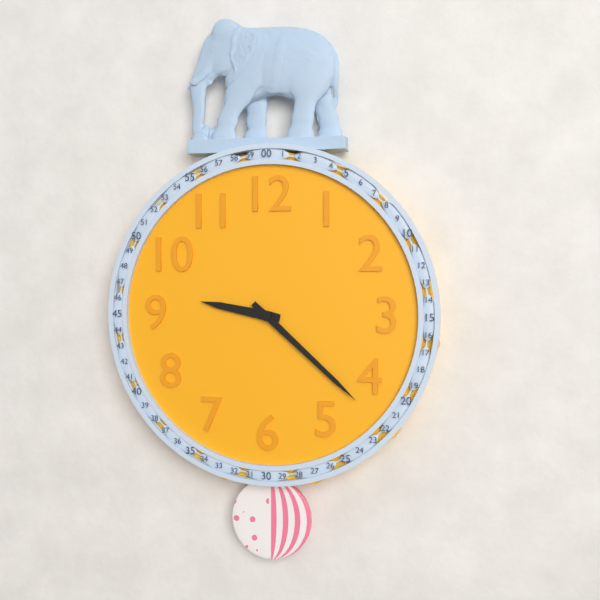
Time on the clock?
9:22
